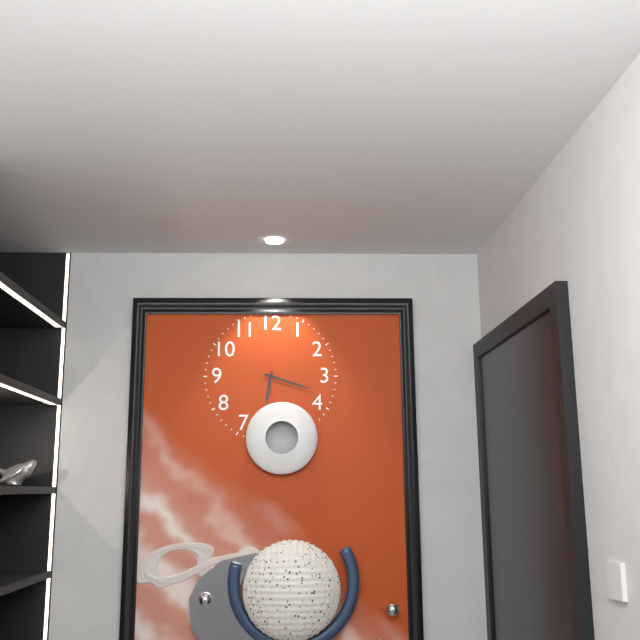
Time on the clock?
6:18
